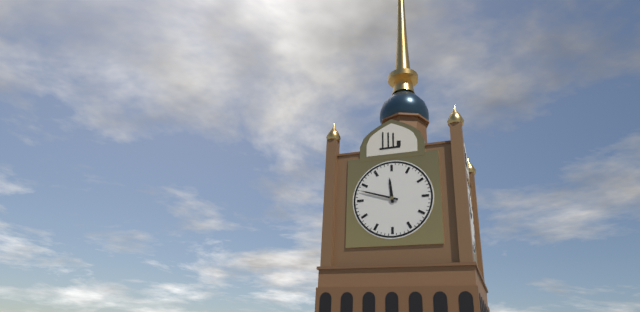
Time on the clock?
11:48
